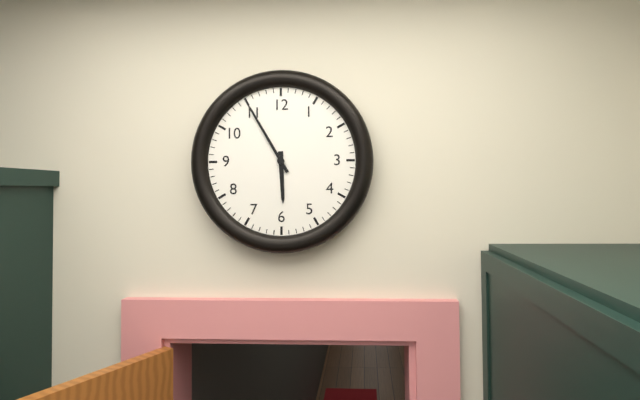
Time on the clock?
5:55
